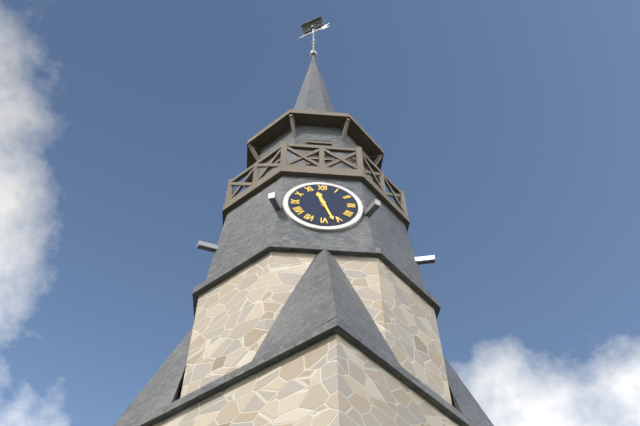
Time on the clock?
11:27
